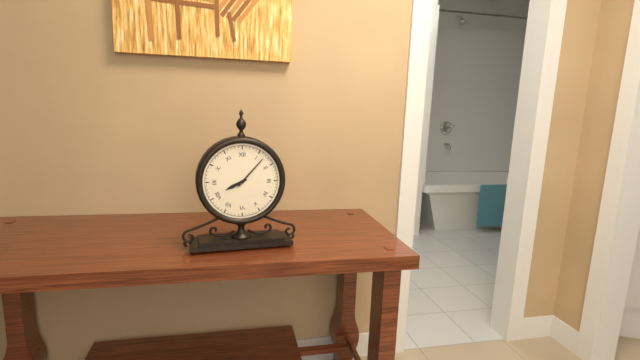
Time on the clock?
8:07
